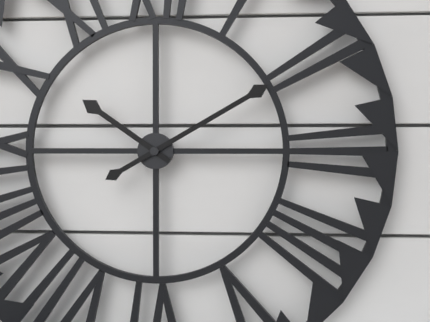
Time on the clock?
10:10
